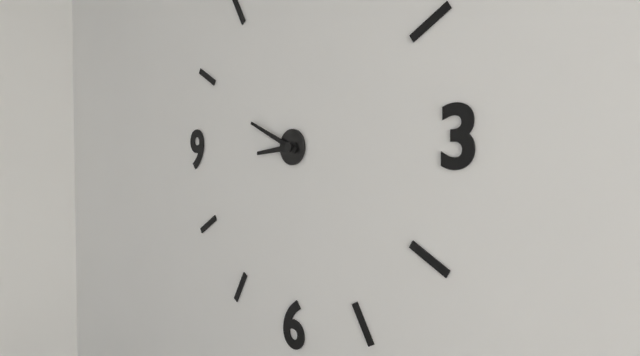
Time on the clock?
8:49
